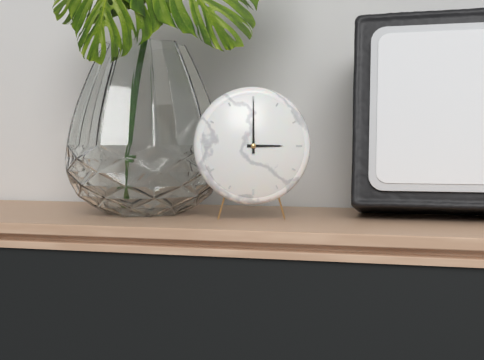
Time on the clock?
3:00
